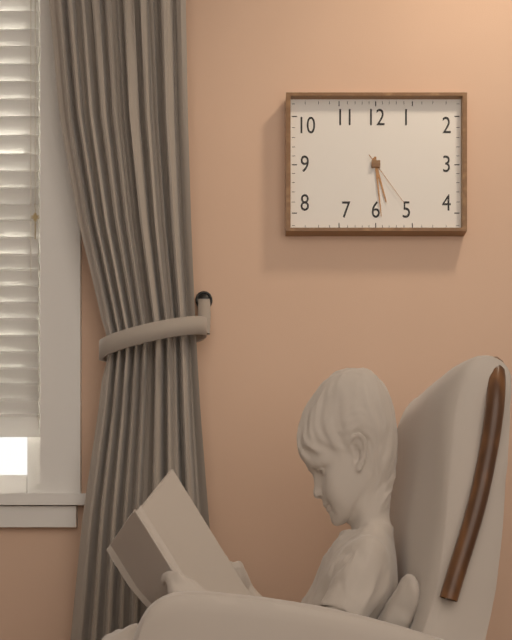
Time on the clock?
5:29:24
